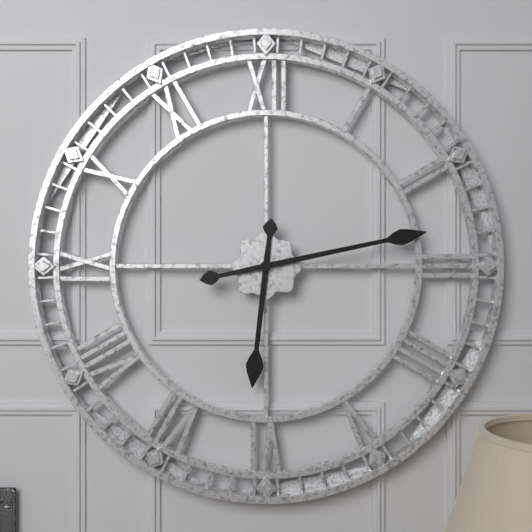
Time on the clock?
6:13
